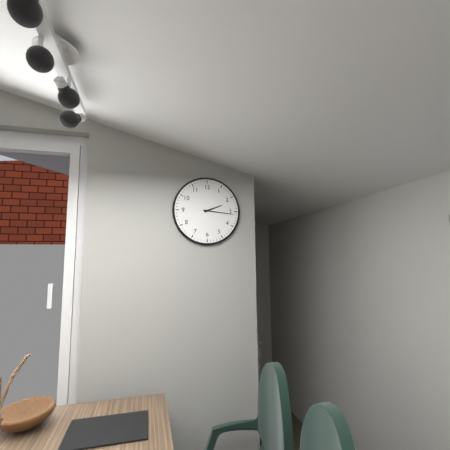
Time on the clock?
2:16
